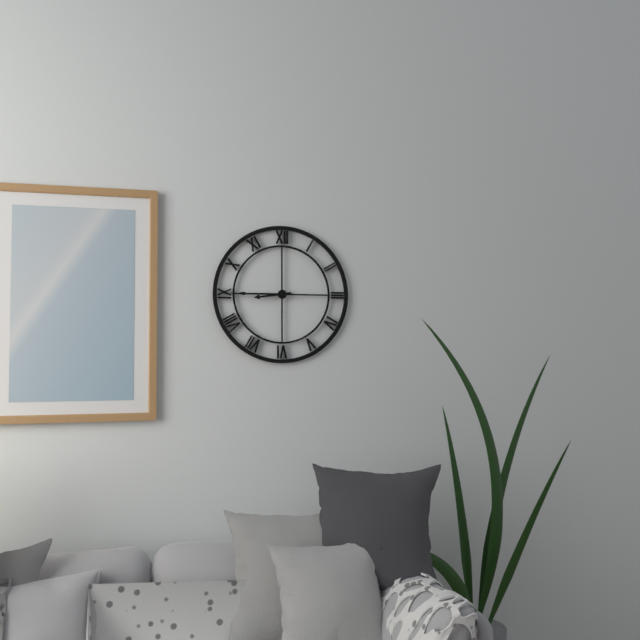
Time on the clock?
8:45
